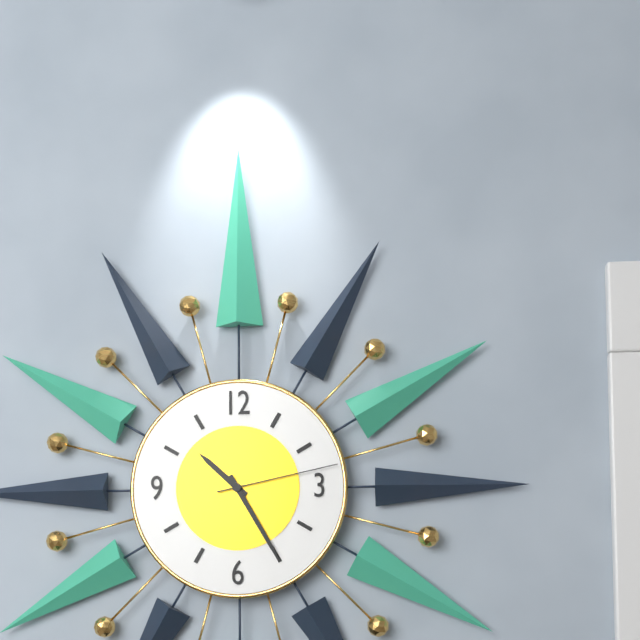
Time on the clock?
10:25:13
